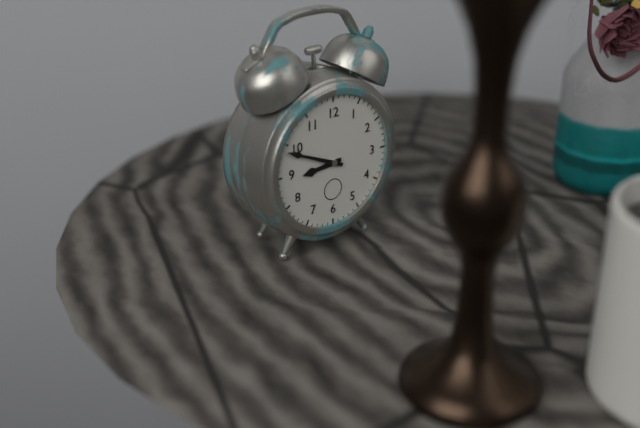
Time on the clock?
8:49
